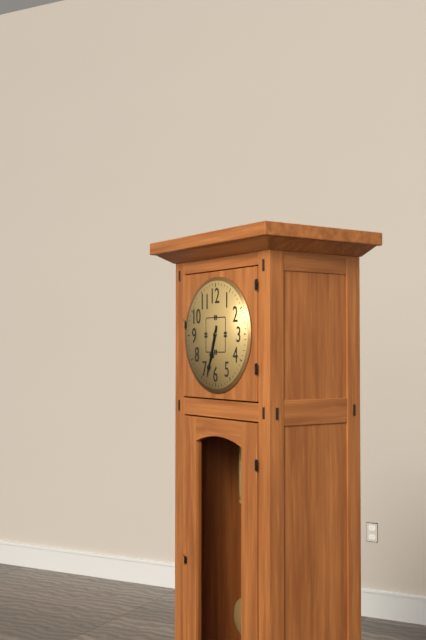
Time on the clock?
6:33
